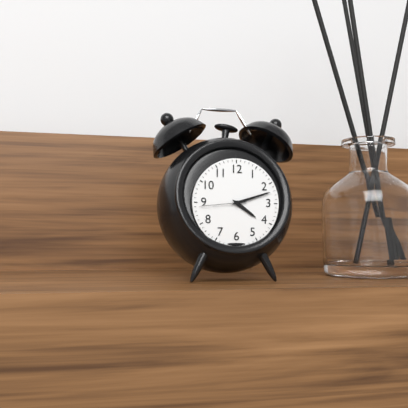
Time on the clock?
4:12
